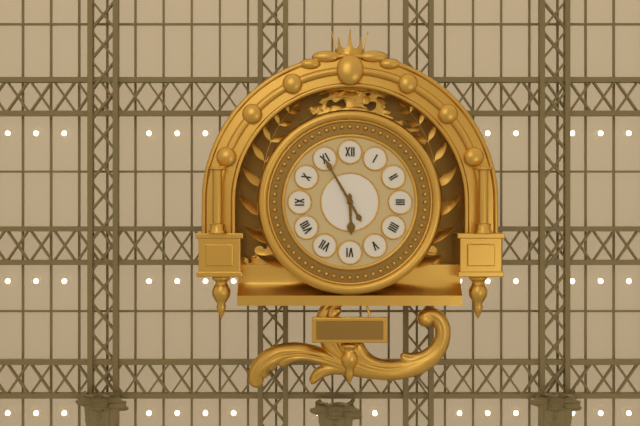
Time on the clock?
5:55
